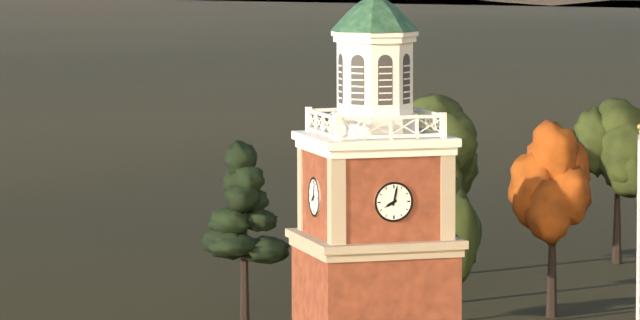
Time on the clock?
8:02
